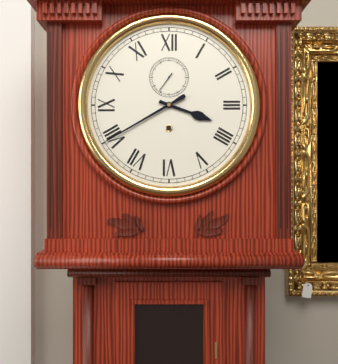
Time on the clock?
3:40
